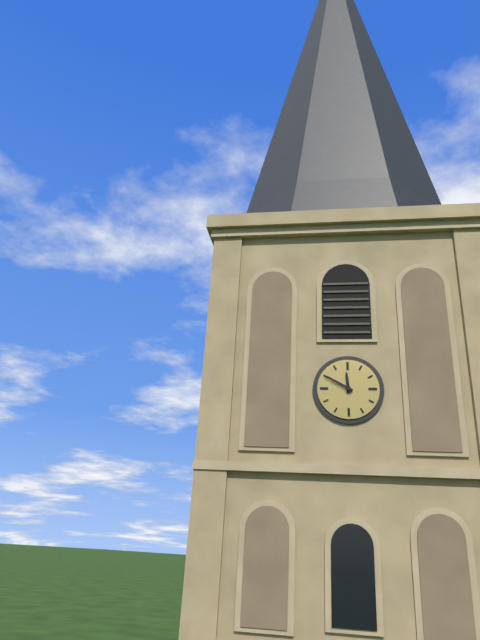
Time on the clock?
11:50
